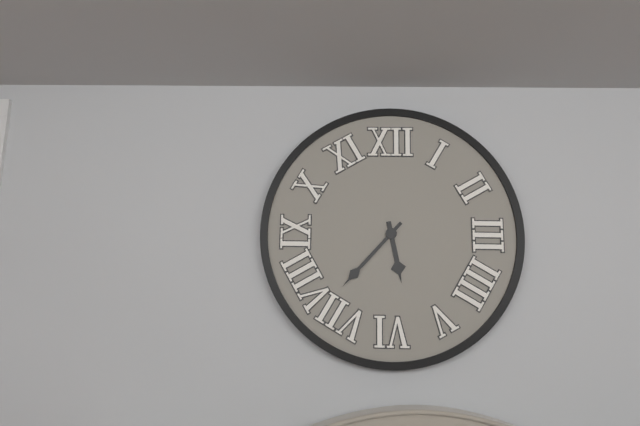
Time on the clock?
5:37
